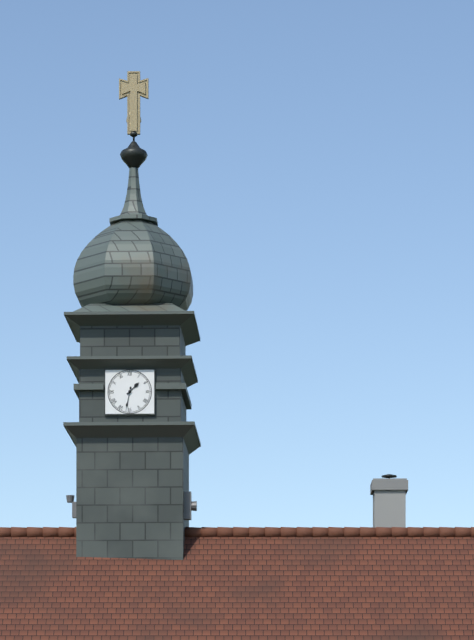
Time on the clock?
1:32
